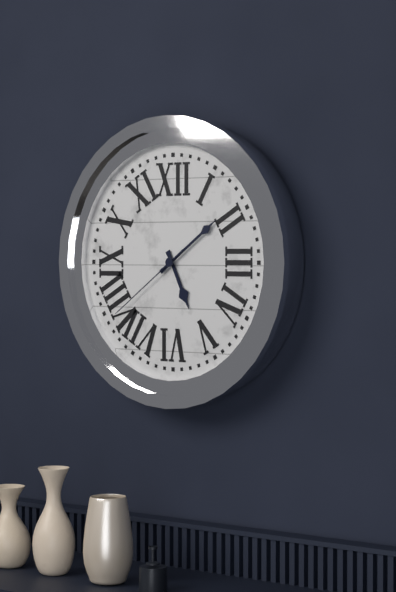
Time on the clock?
5:09:39
